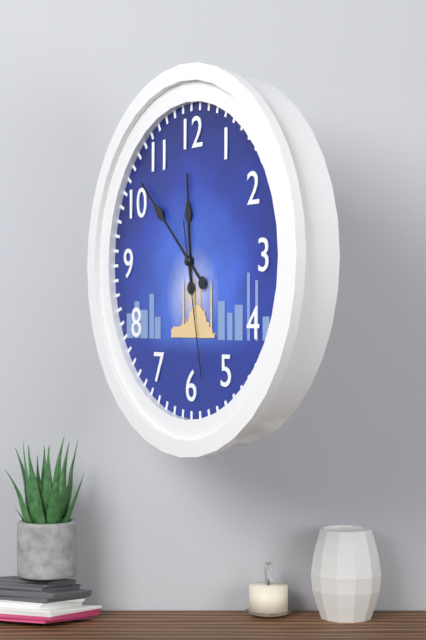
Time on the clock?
11:52:28
